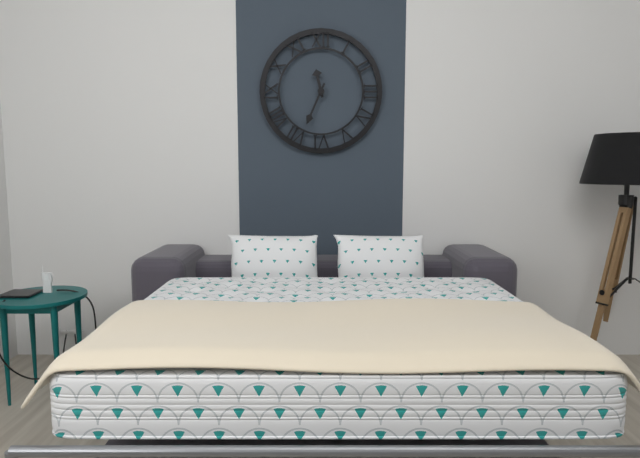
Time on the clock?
11:34
